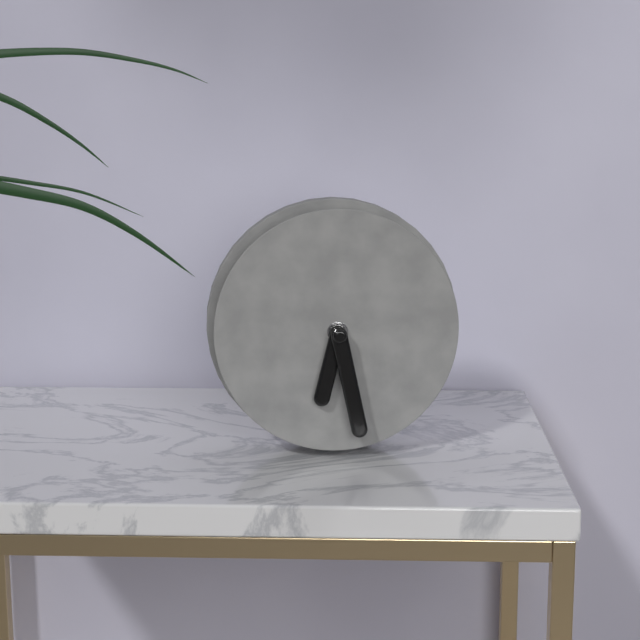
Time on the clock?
6:28
